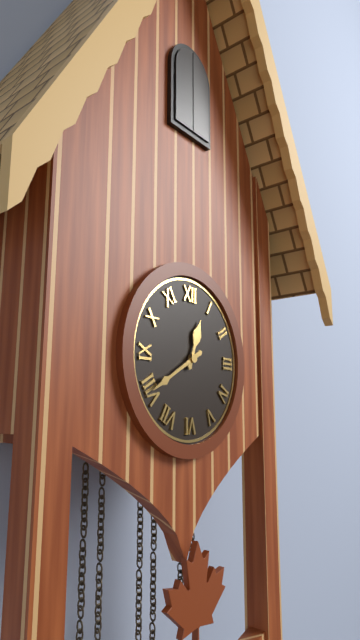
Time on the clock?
12:40
